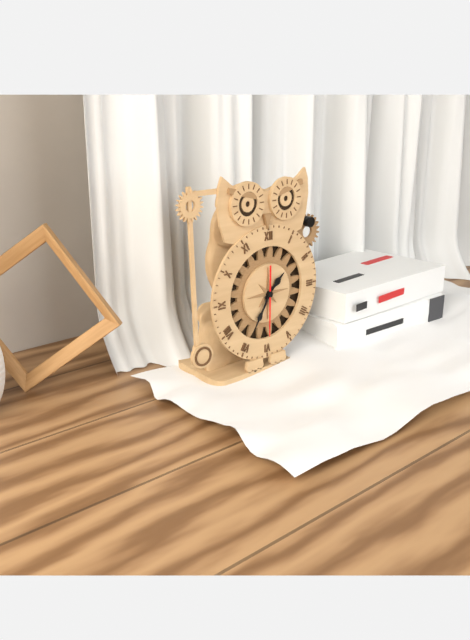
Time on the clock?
1:35:30
